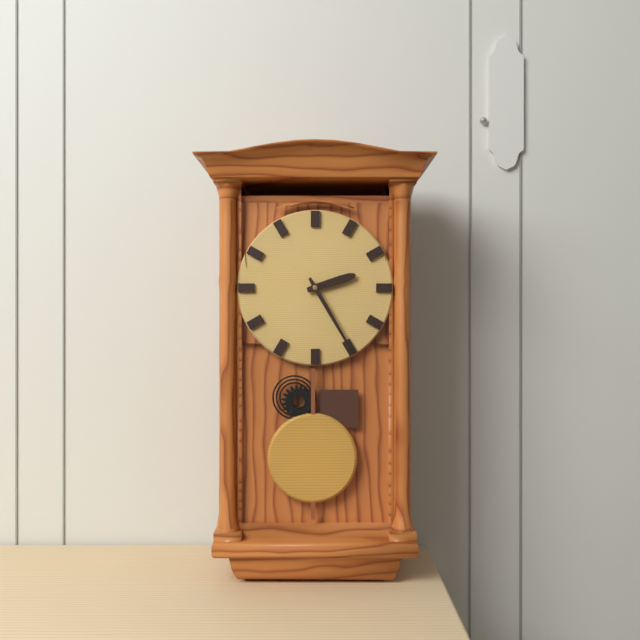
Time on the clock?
2:25
